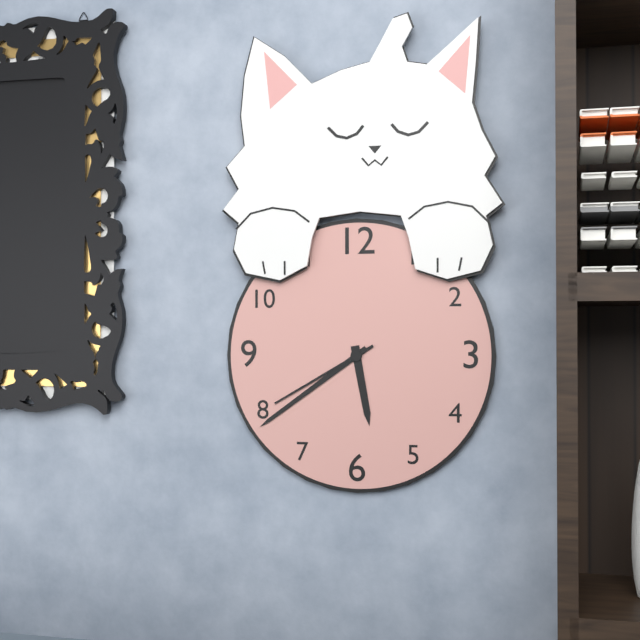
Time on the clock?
5:39:40
